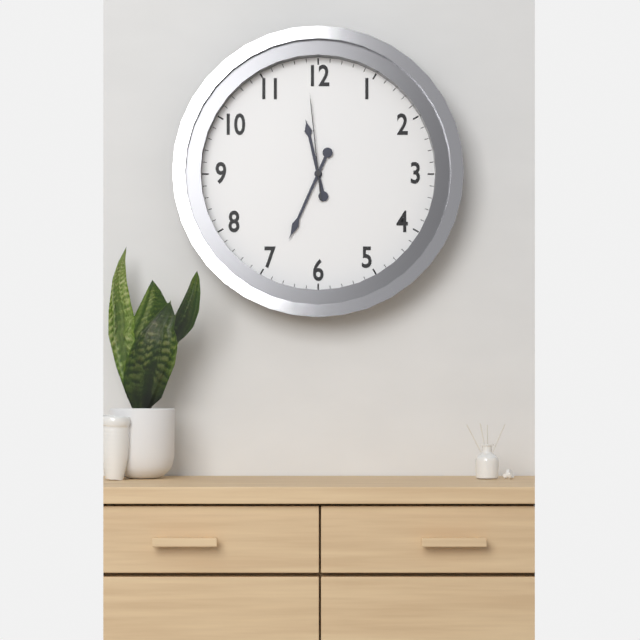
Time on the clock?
11:34:59
